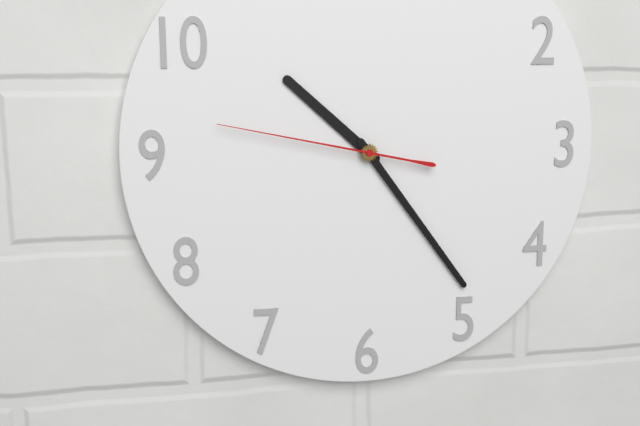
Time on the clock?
10:24:47
